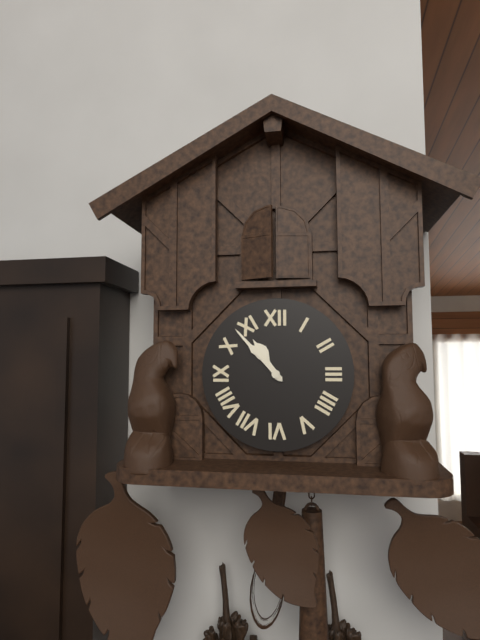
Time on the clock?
10:53
